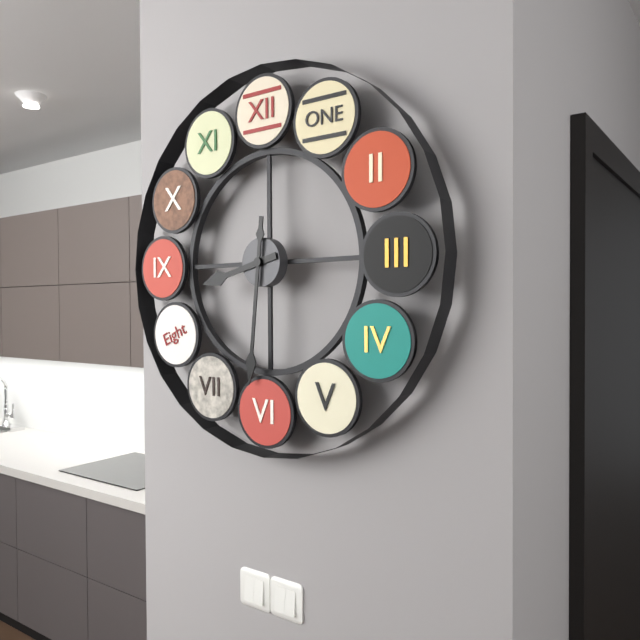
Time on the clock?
8:31
